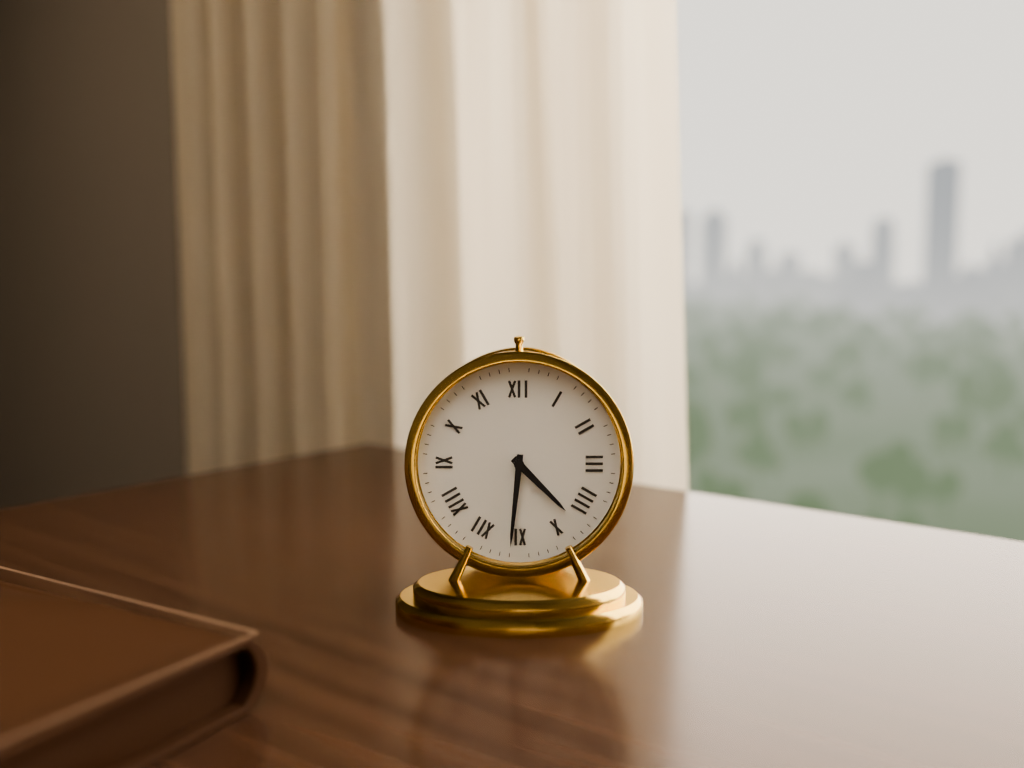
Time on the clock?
4:31
